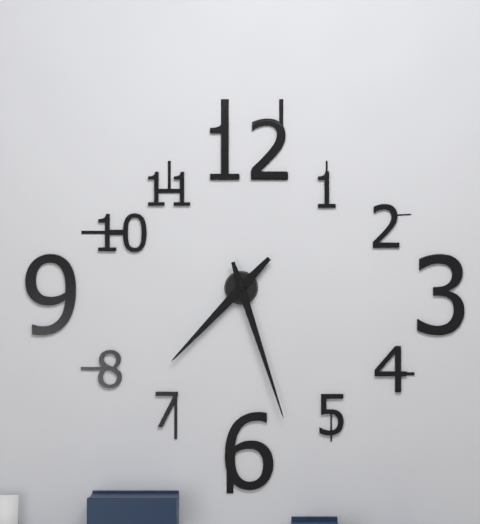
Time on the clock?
7:27
